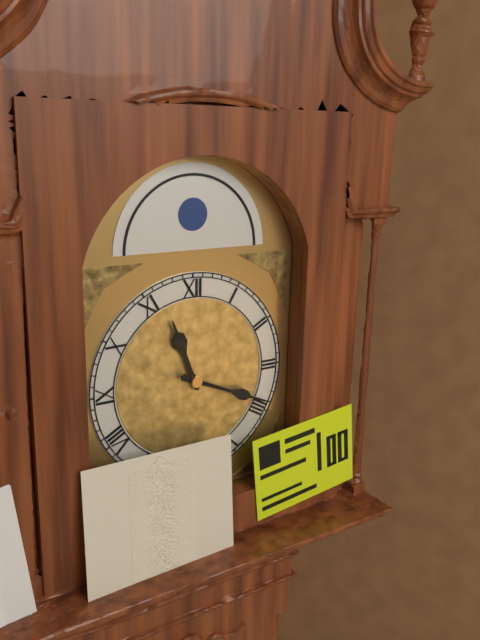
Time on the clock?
11:19
